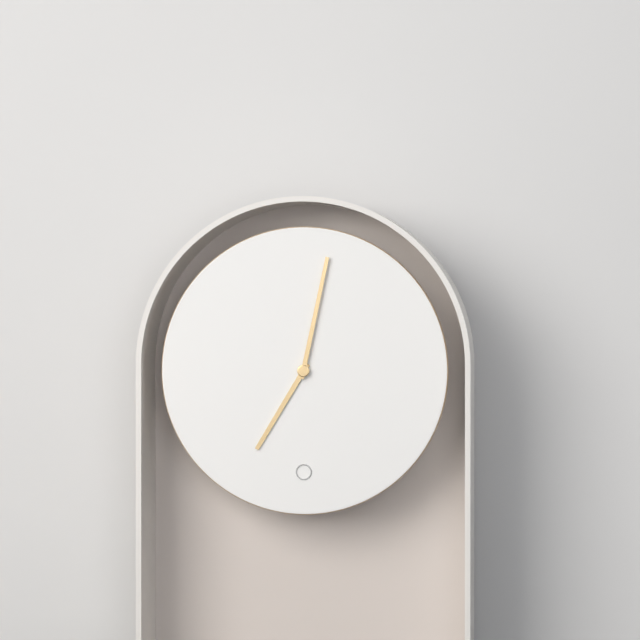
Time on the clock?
7:02
